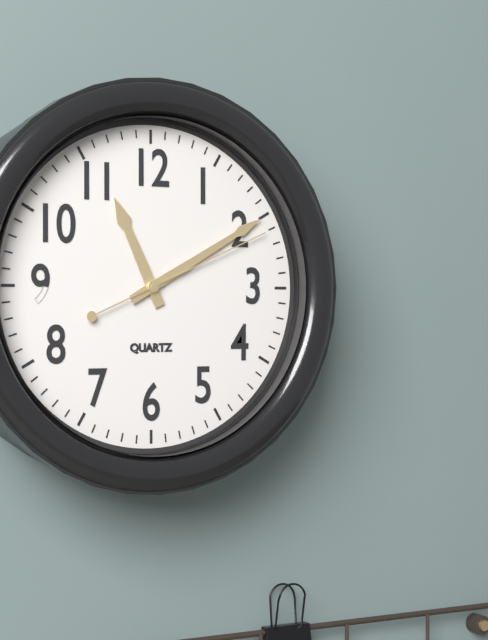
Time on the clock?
11:10:11
